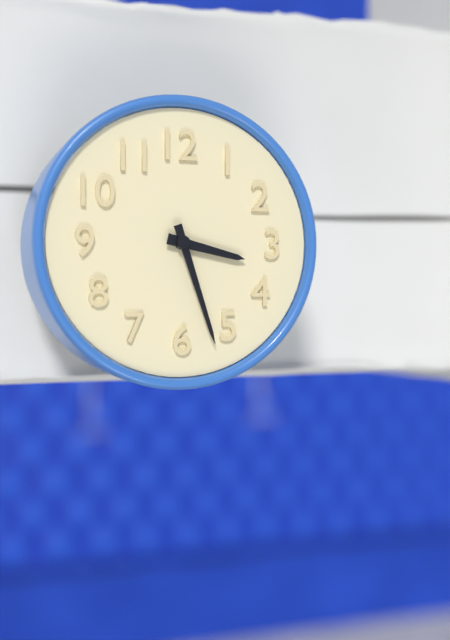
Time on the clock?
3:27
